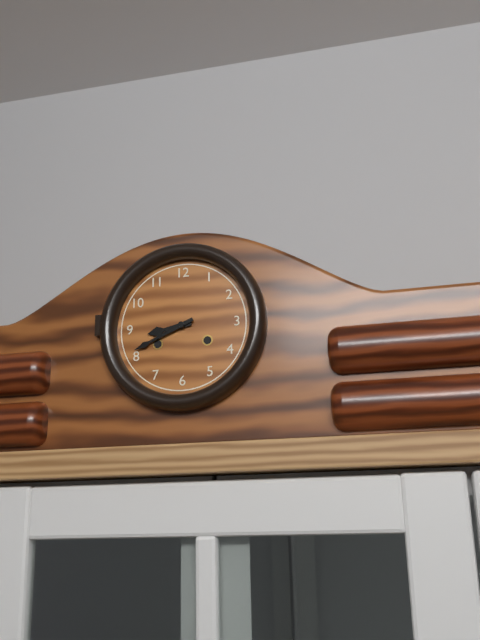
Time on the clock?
8:41
